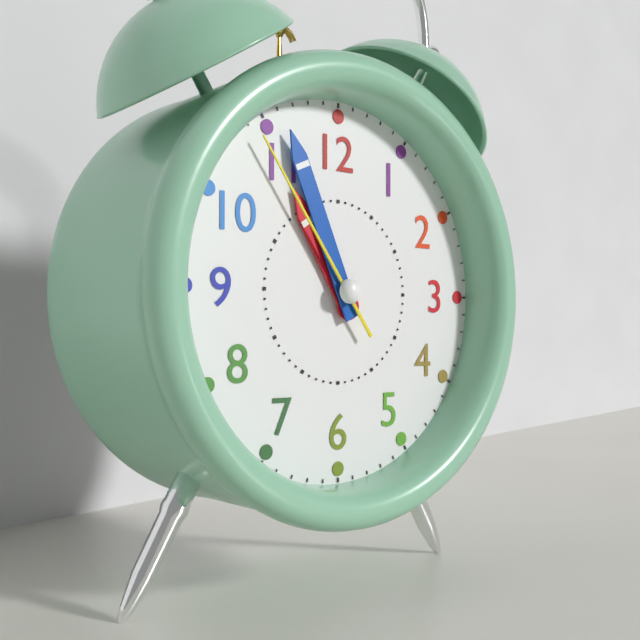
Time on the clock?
10:56:54
